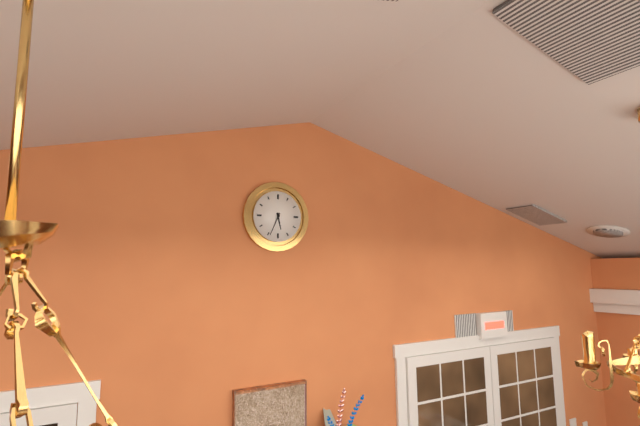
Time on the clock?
5:34
